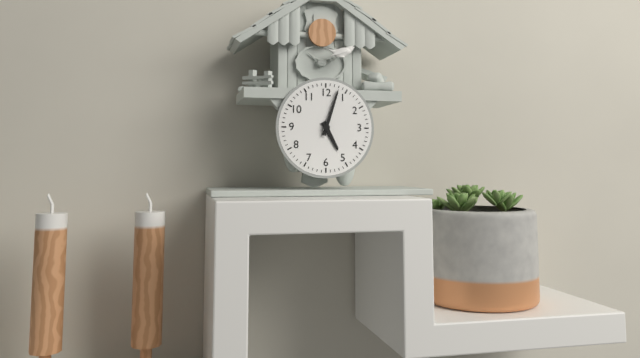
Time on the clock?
5:03
